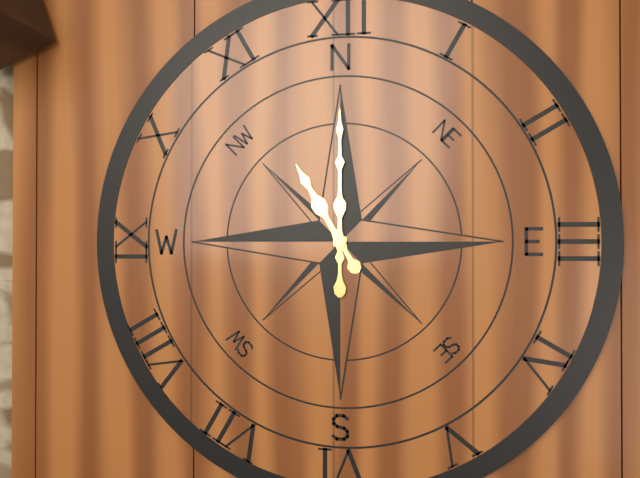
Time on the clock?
11:00
